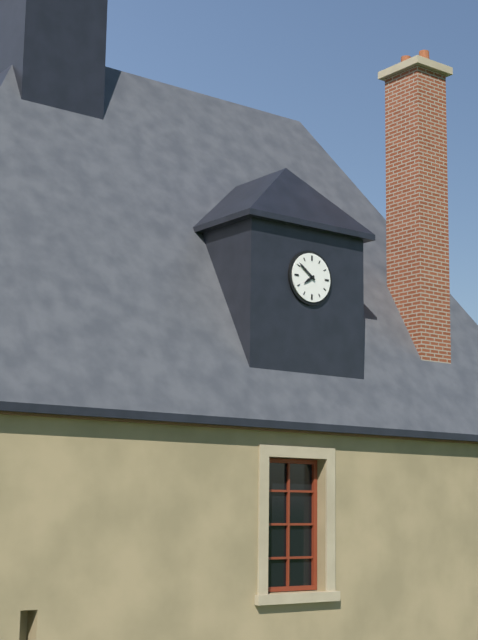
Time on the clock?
7:51
